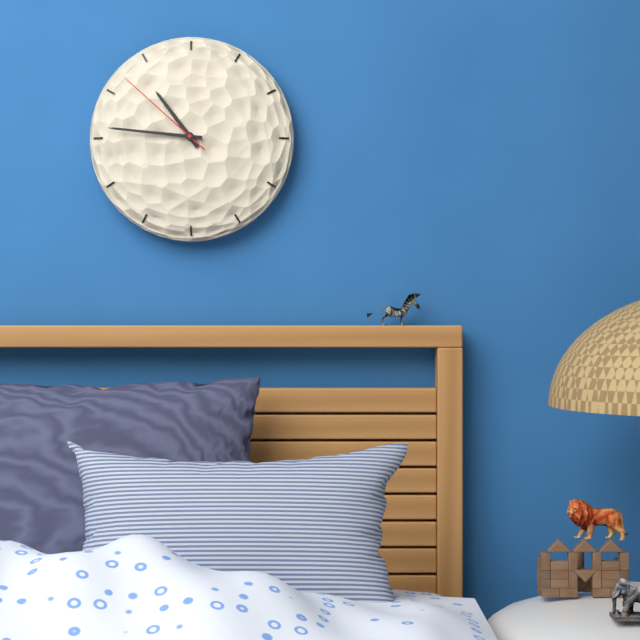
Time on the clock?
10:46:52
